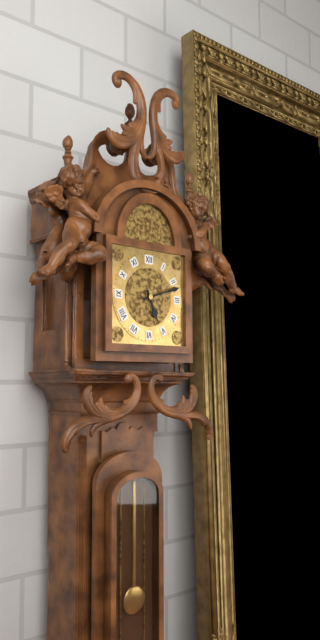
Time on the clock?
5:12
